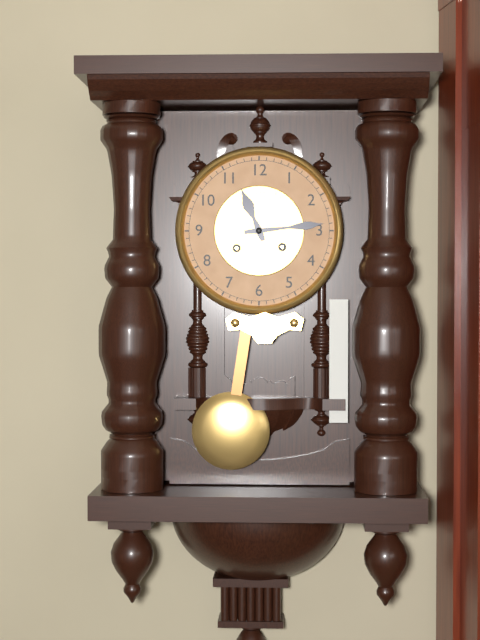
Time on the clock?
11:14
